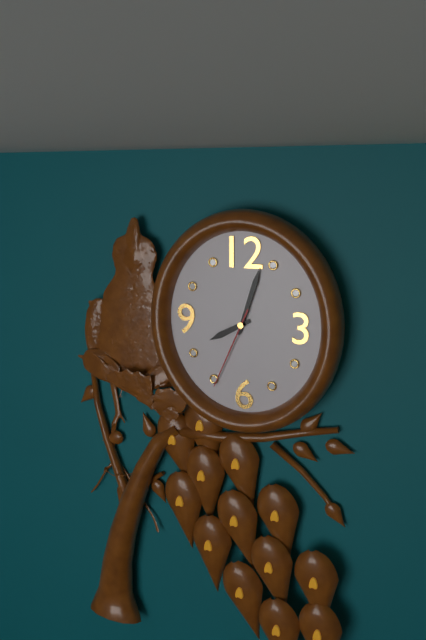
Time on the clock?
8:03:34
